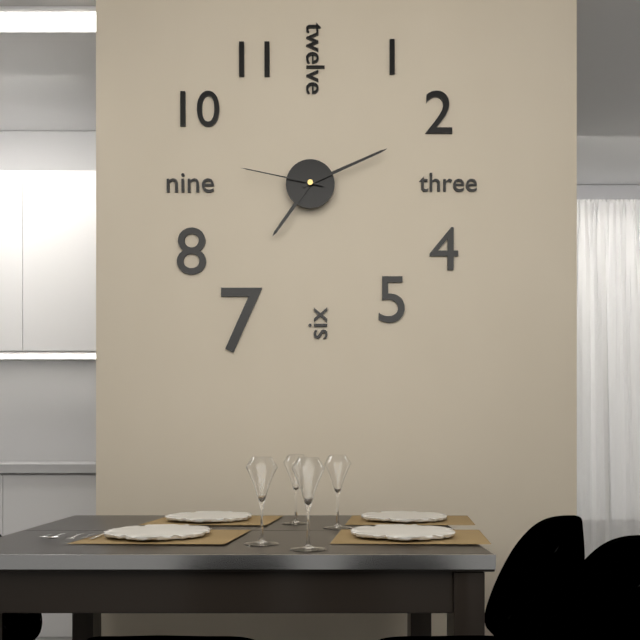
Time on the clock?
7:11:47
